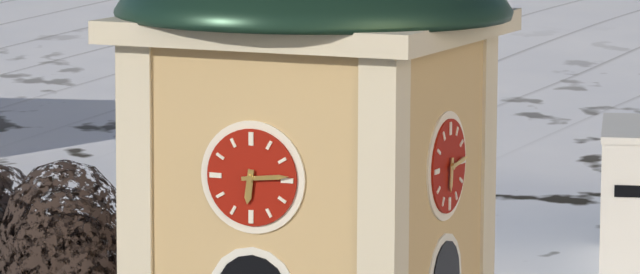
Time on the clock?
6:14
